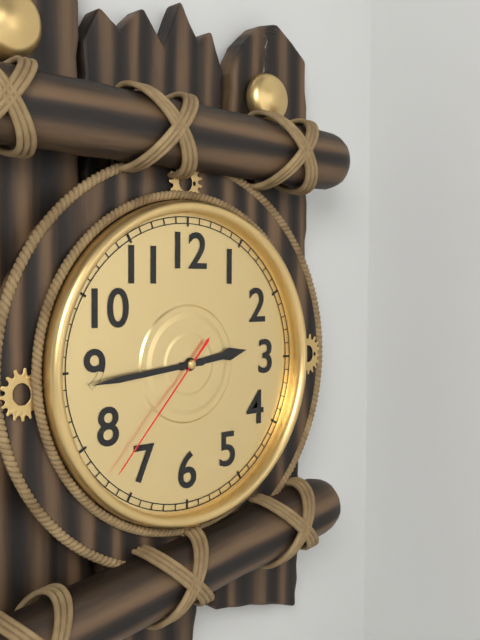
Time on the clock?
2:44:37
